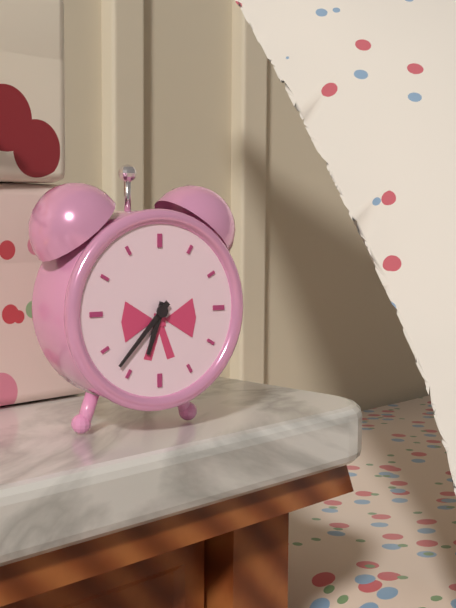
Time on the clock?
6:37
